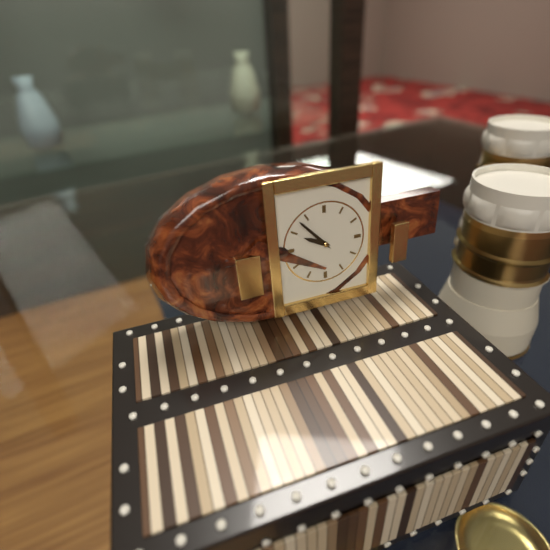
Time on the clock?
9:53
